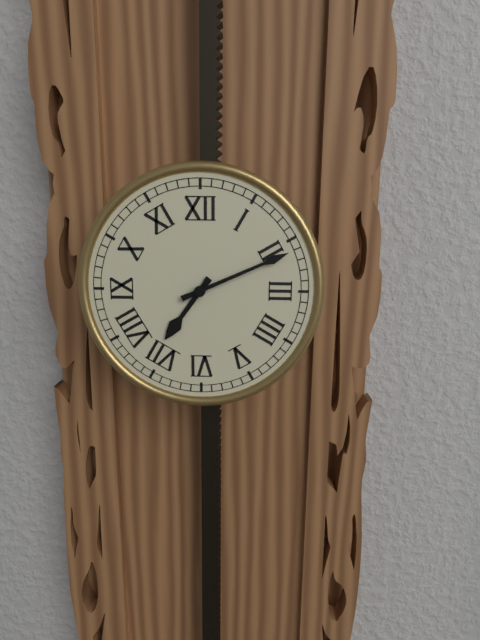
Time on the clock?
7:11
